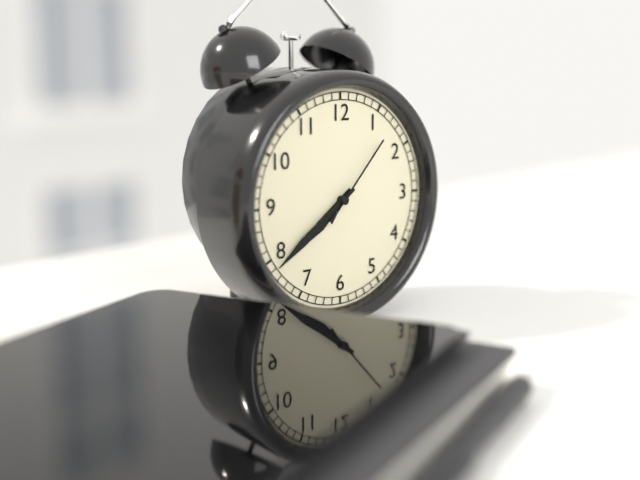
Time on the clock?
7:39:07
